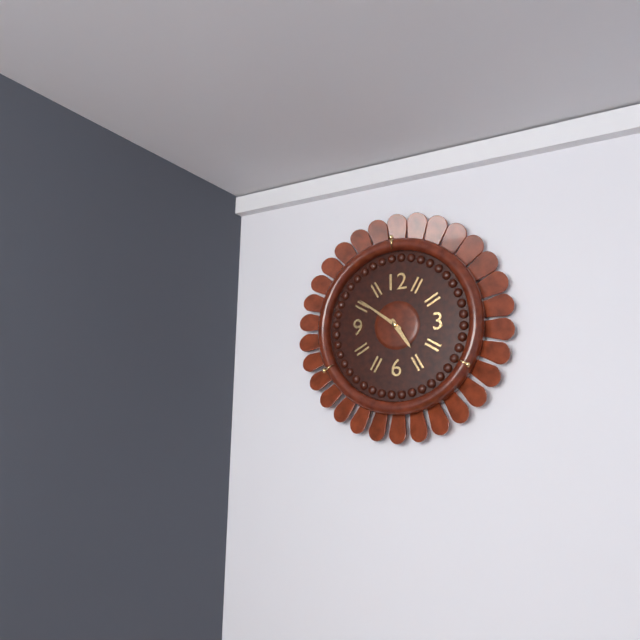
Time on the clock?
4:51
